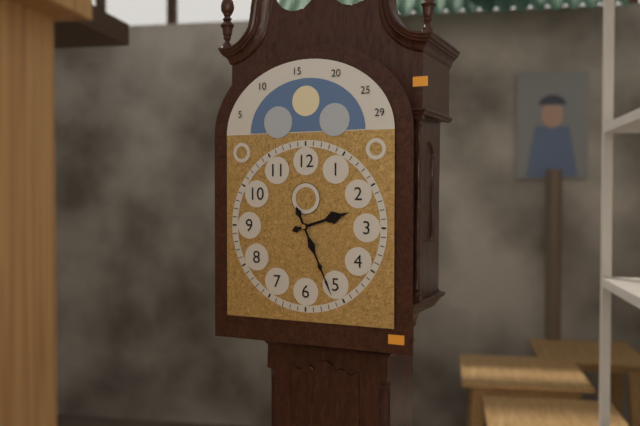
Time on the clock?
2:26
